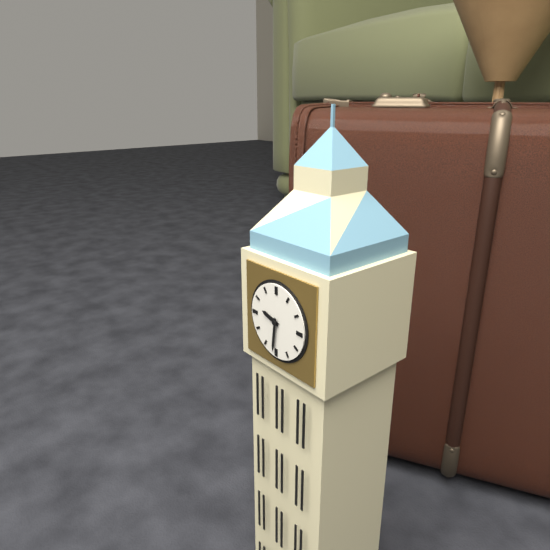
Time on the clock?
9:31
